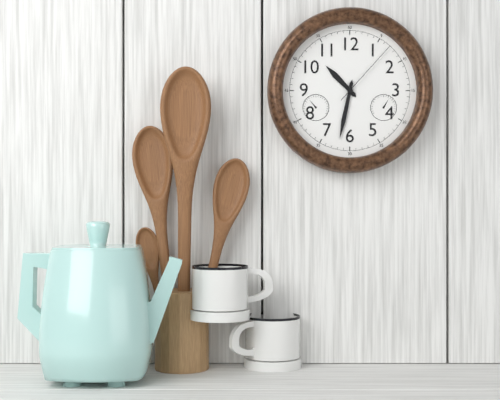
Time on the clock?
10:32:07
